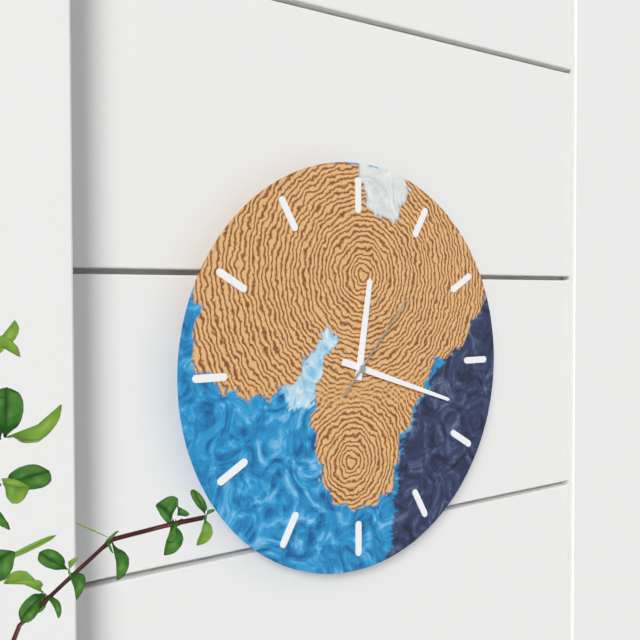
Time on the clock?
12:18:07
